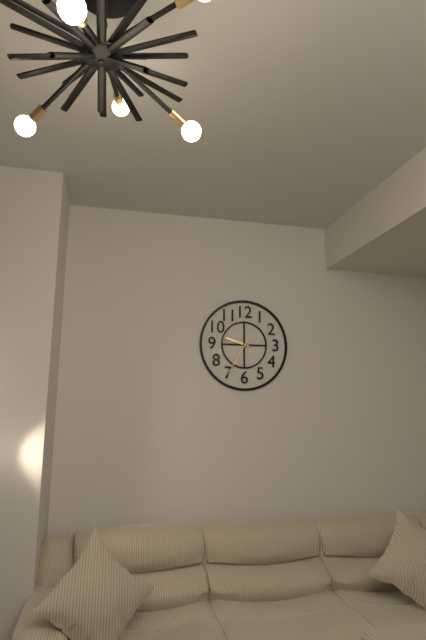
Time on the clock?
9:35
